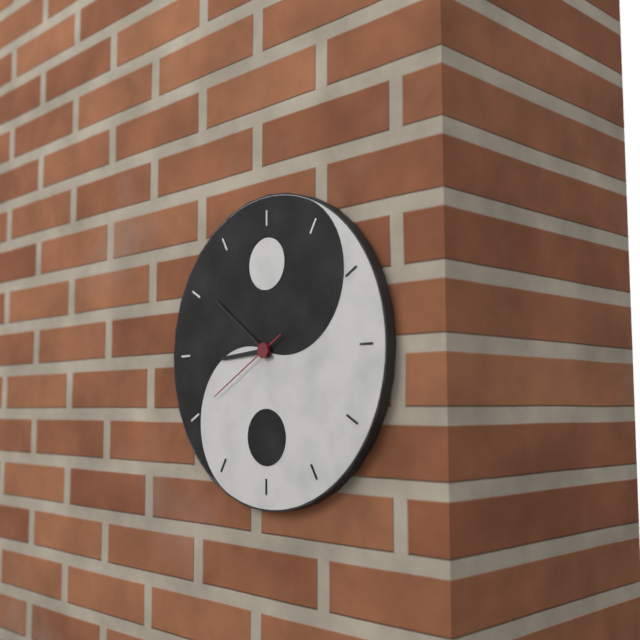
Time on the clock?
8:51:40
